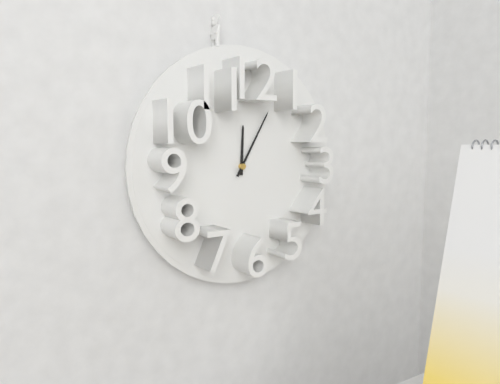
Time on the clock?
12:05
